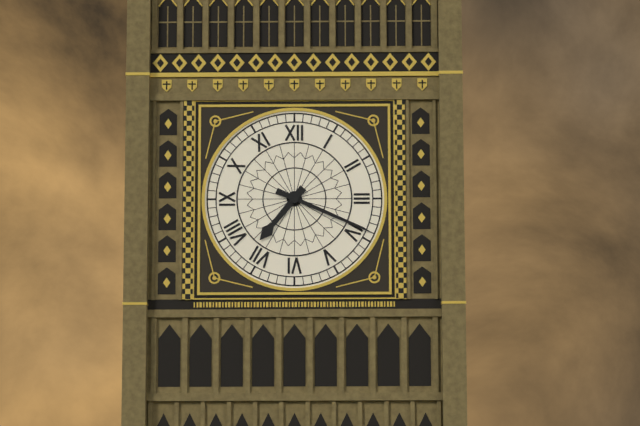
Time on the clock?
7:19
